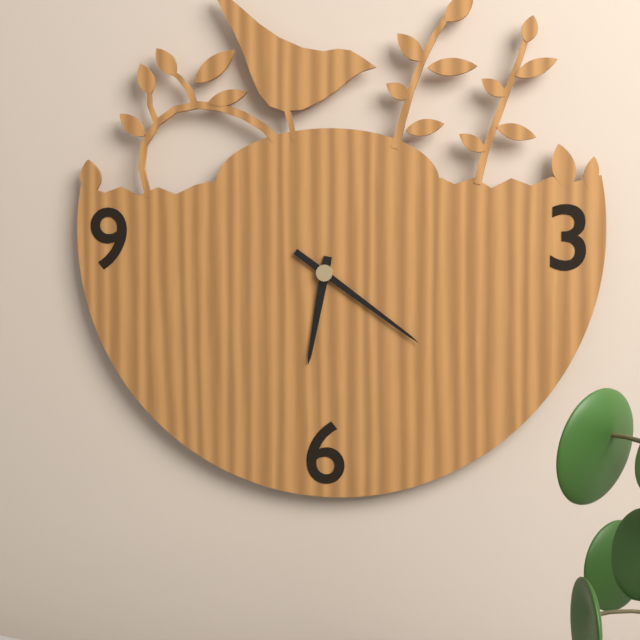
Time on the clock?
6:21
